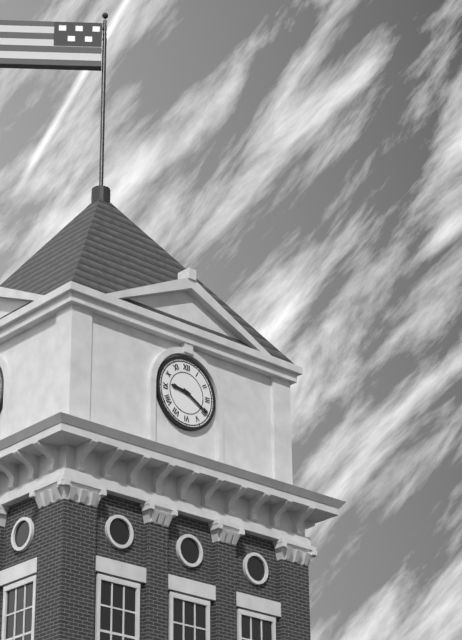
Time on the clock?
9:20
